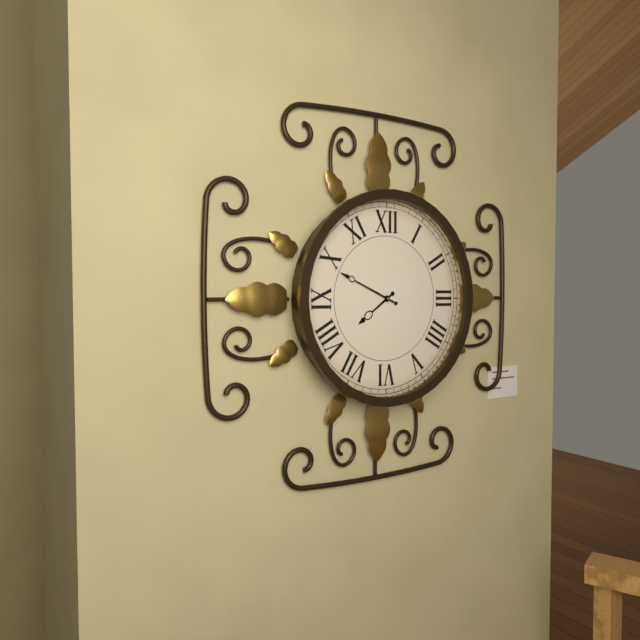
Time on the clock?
7:49
